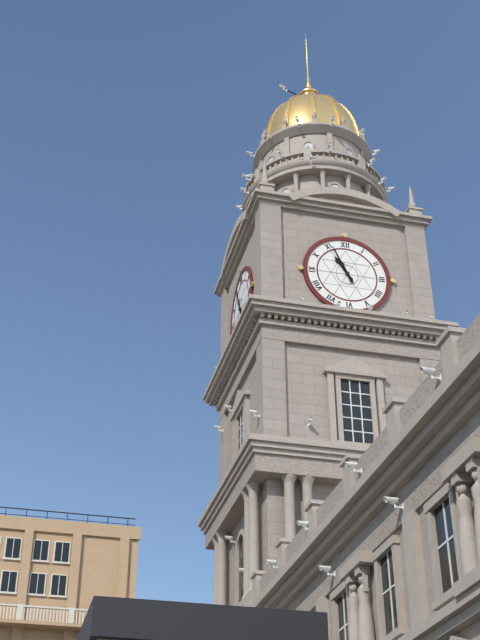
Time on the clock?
10:56
